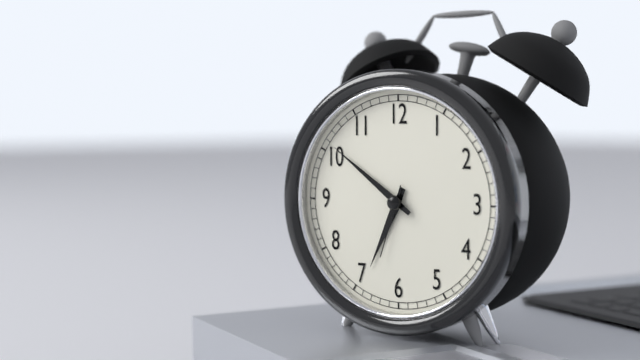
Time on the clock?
6:51:33
